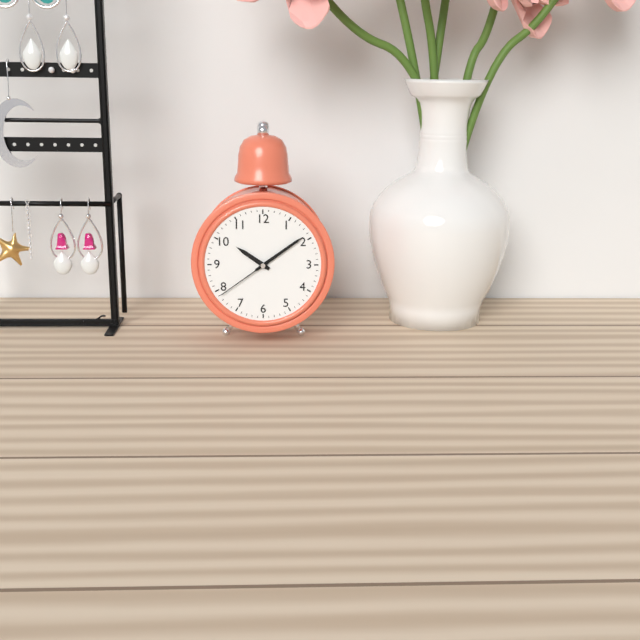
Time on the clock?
10:09:39
